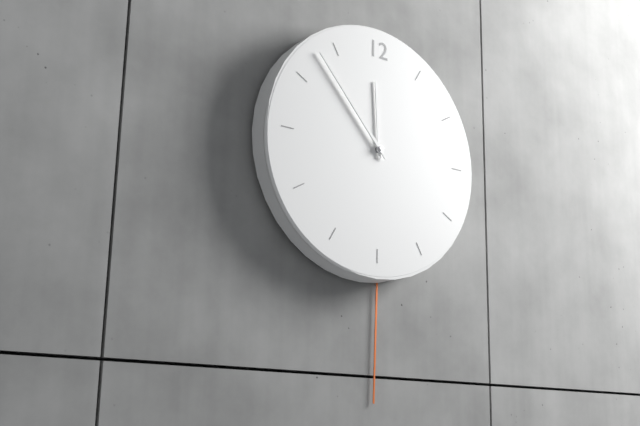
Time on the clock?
11:53
